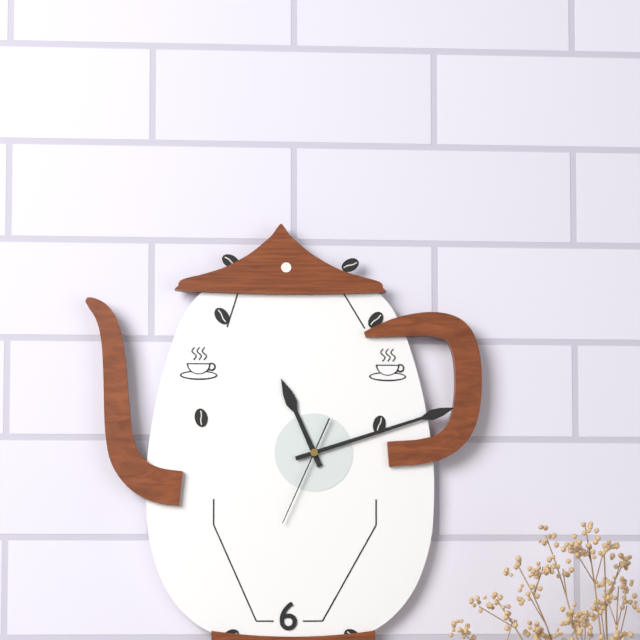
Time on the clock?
11:12:34
